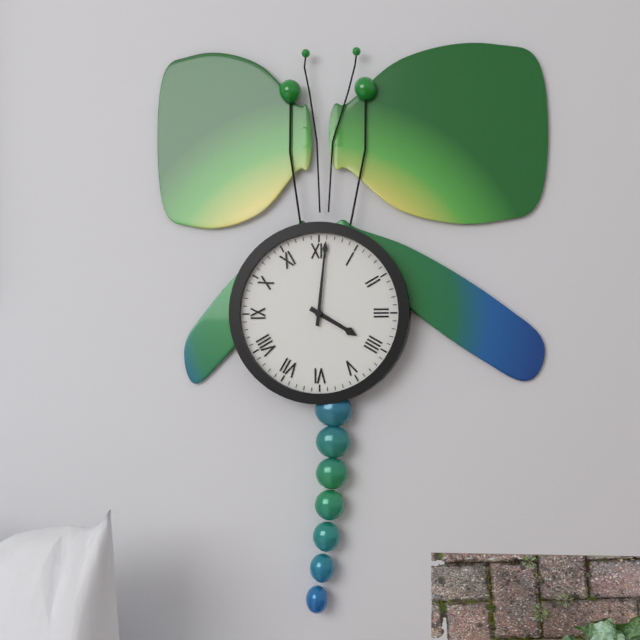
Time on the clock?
4:01
